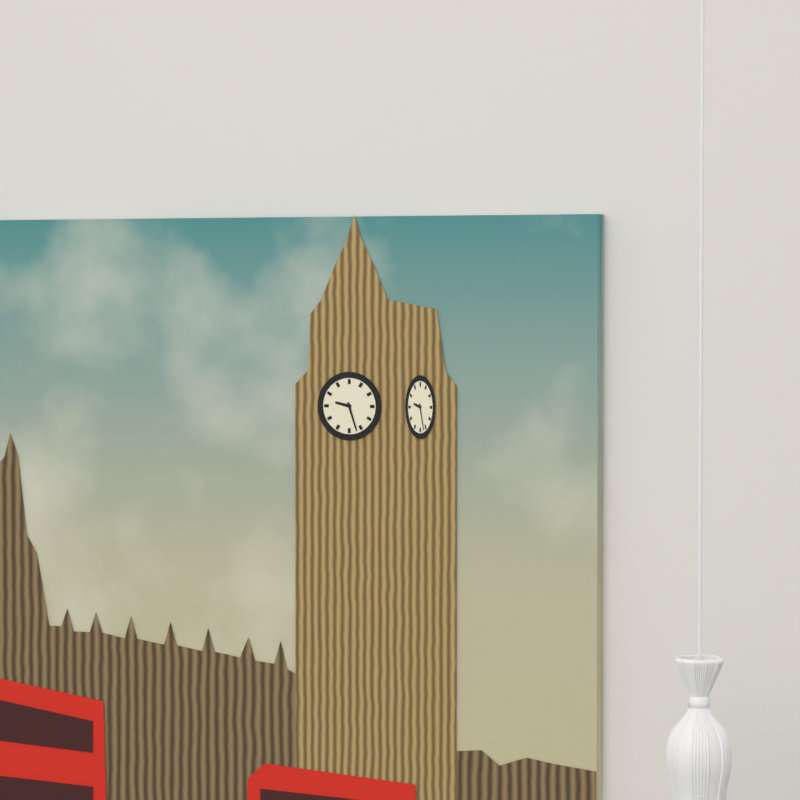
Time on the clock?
9:27
